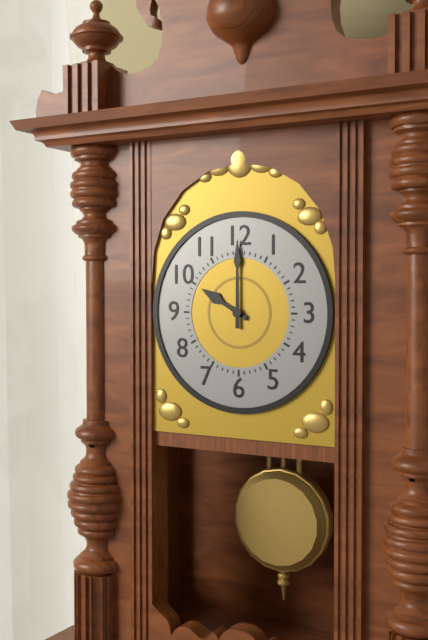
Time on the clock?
10:00
